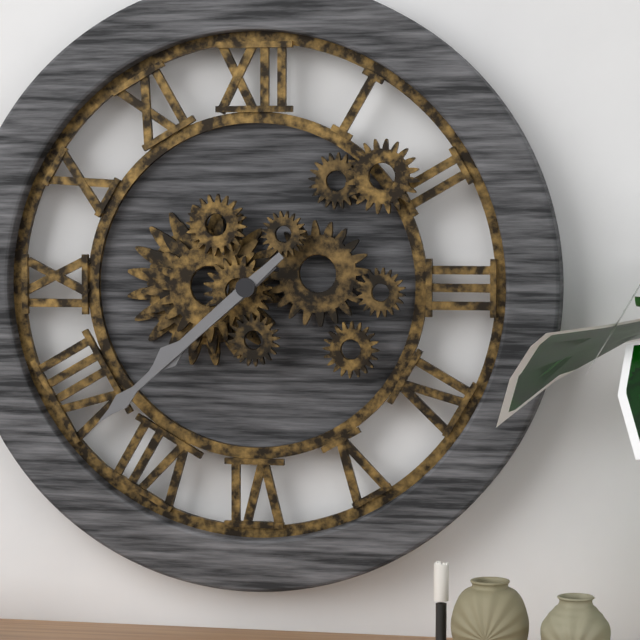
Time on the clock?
7:38
